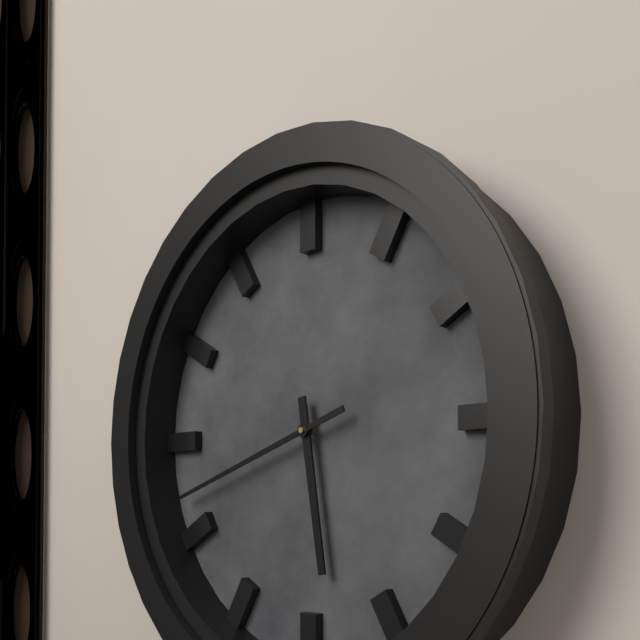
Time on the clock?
5:42
